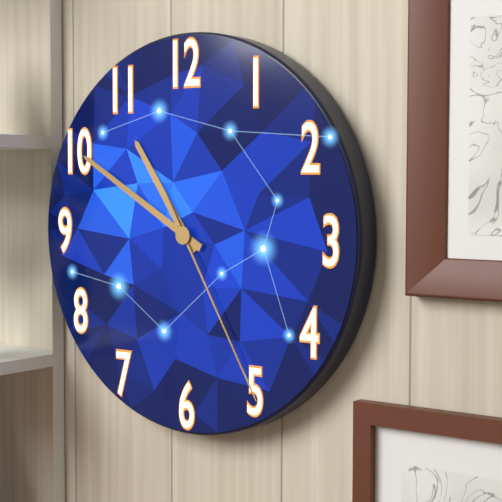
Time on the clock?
10:50:25
